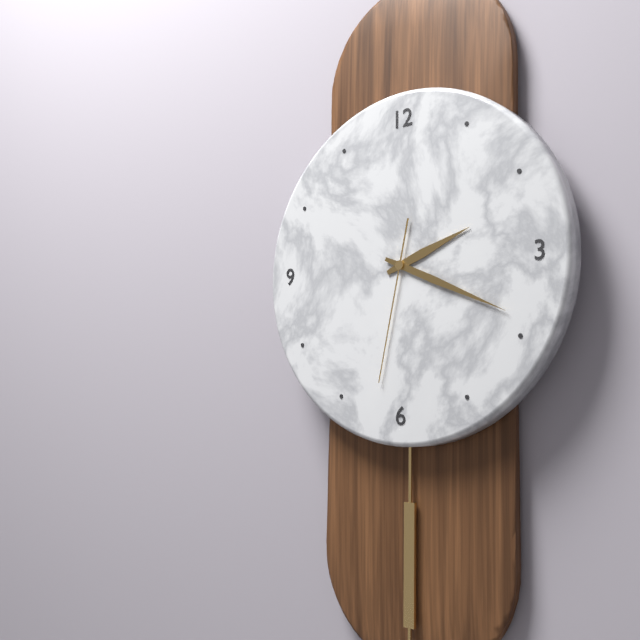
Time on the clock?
2:19:32
